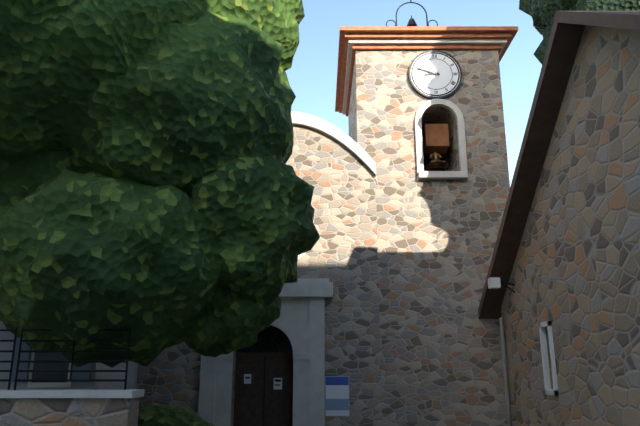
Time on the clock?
8:48
